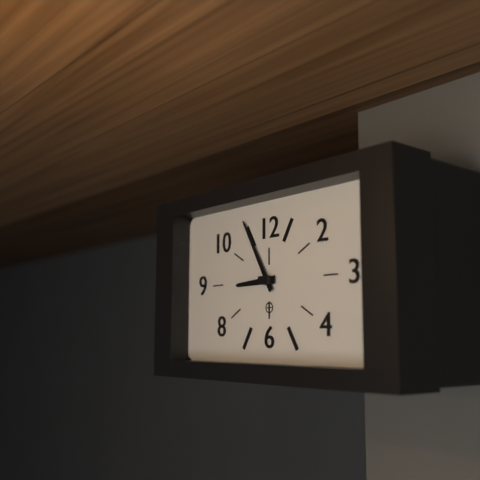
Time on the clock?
8:55
